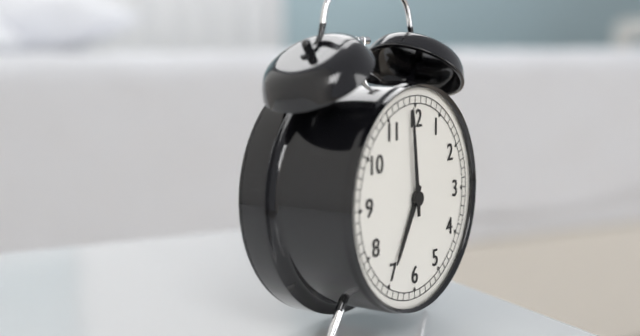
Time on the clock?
6:59
